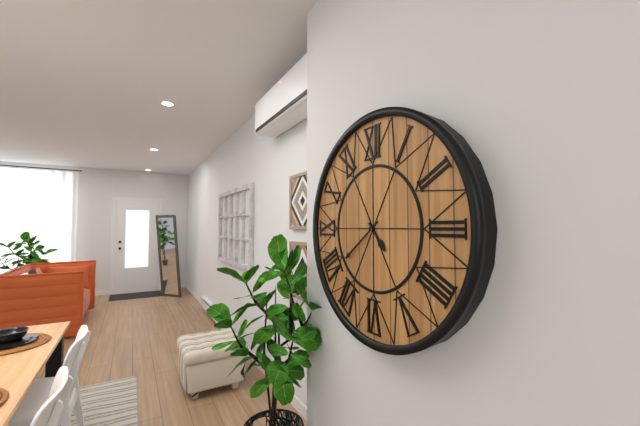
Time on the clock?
4:39
